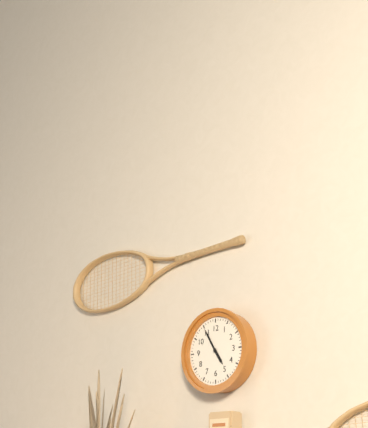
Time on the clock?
4:55
